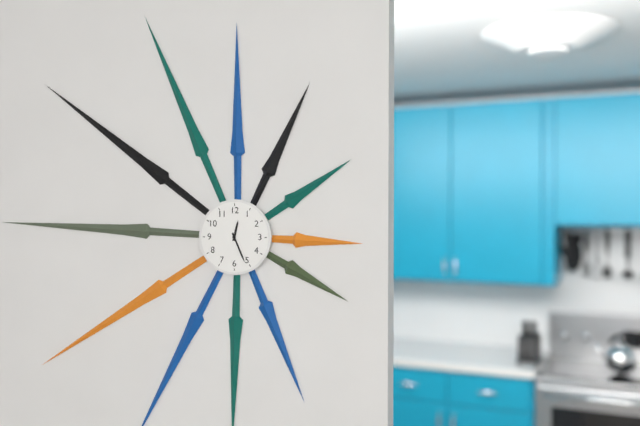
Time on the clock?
12:26
